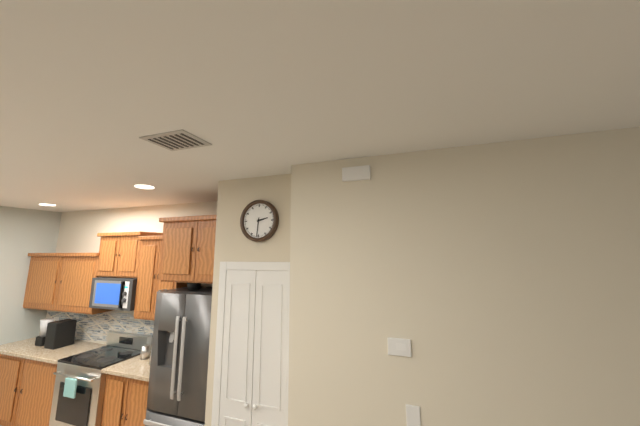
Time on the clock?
2:31
